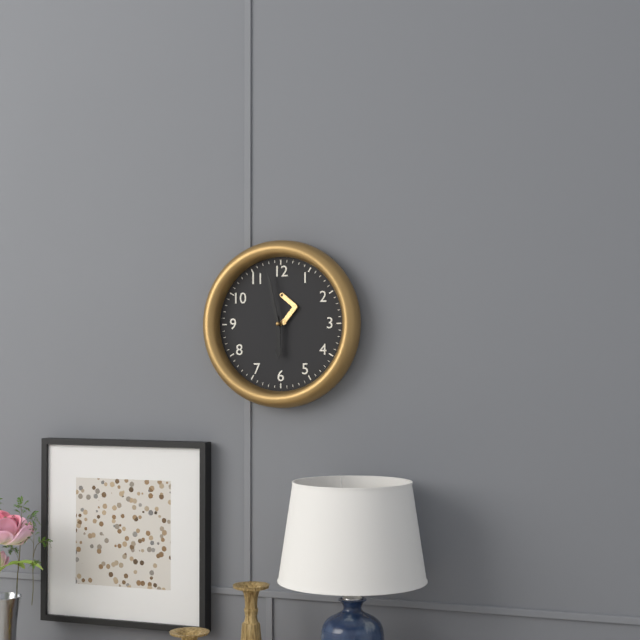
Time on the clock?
5:58
